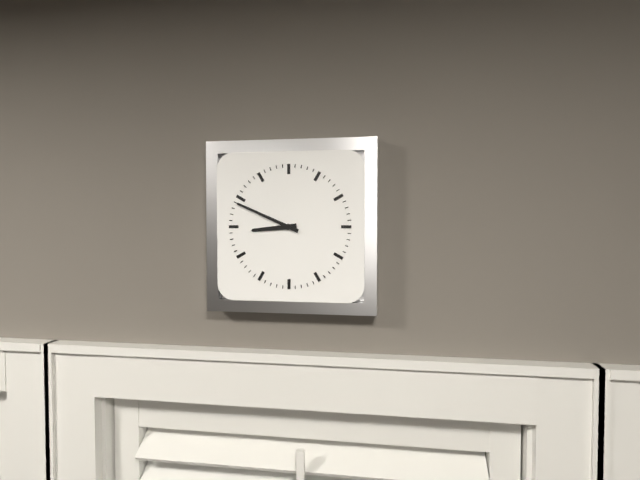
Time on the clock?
8:49
